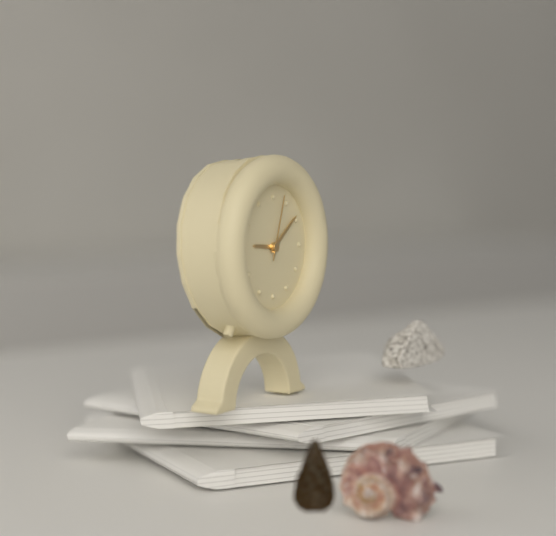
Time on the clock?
9:09:03
